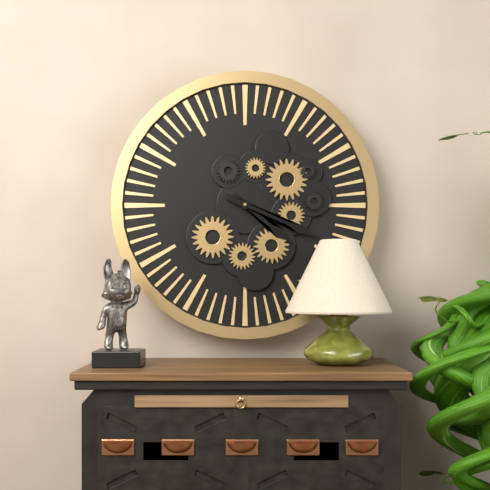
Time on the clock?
4:19
